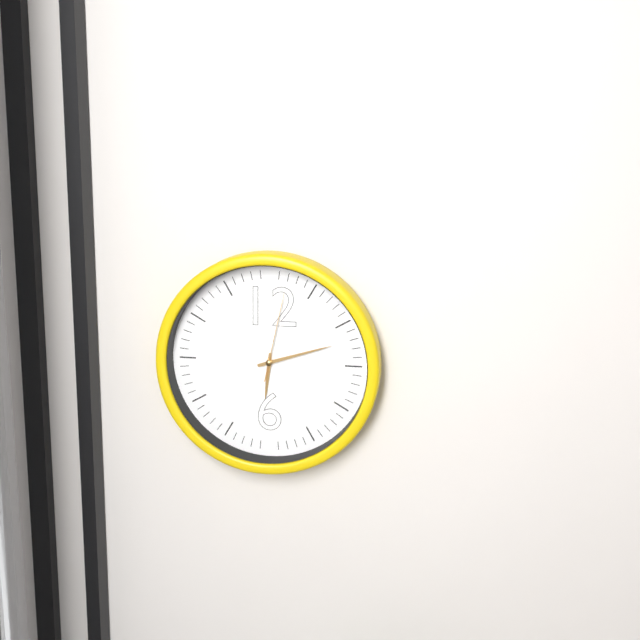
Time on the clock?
6:12:02
